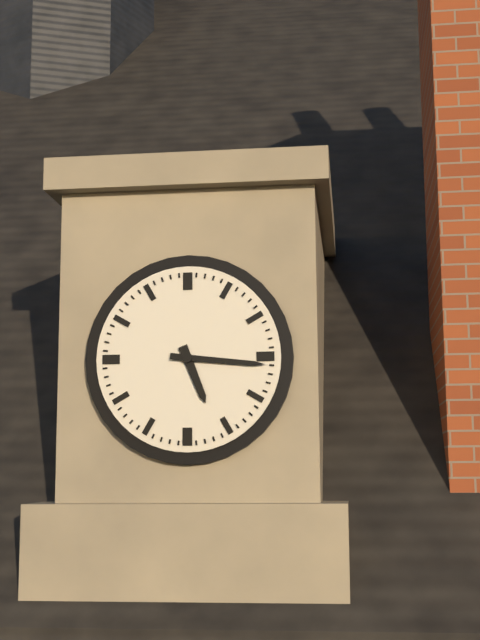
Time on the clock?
5:16
